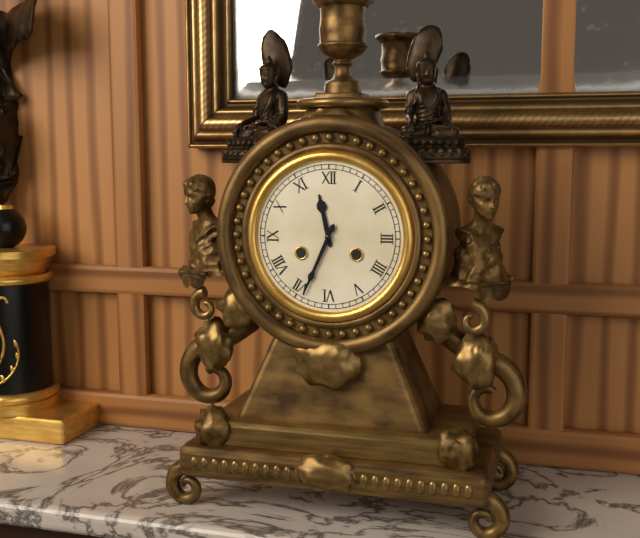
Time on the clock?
11:34
